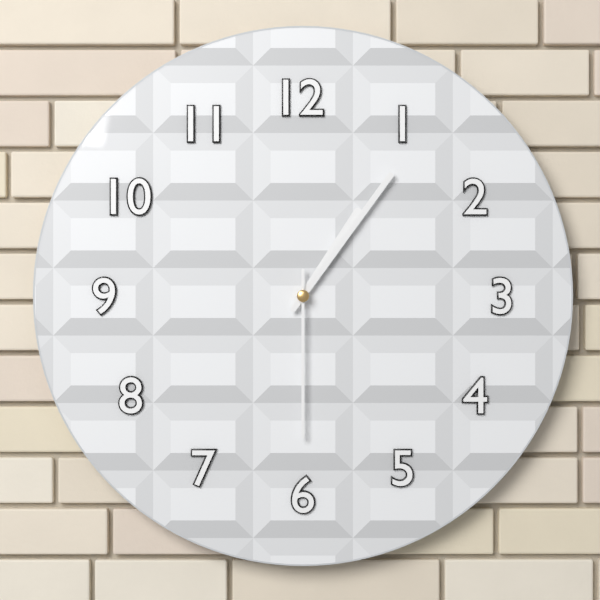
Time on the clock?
1:06:30
